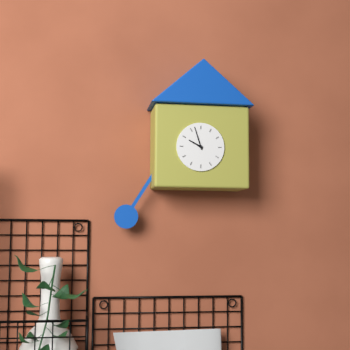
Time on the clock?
9:57
